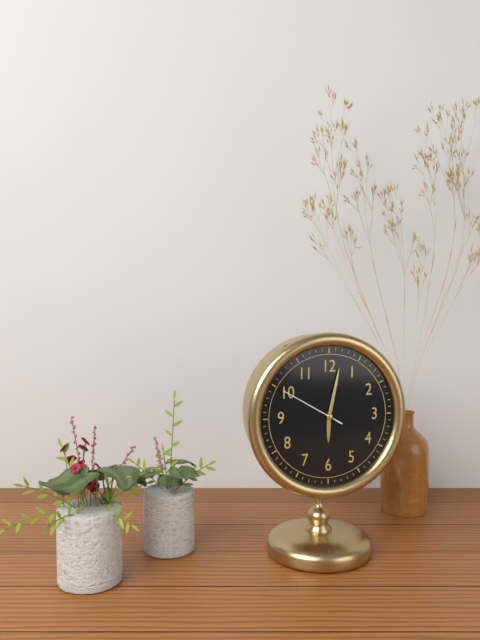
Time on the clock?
6:02:50
